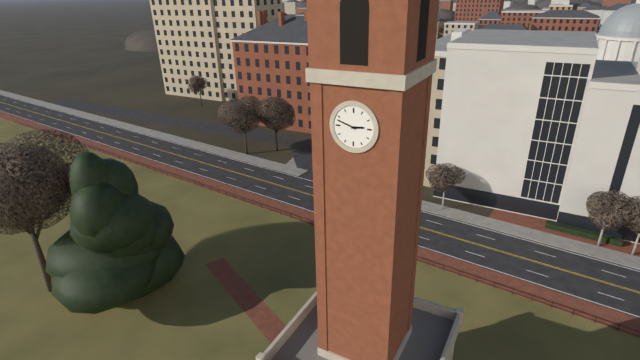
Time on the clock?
2:48
